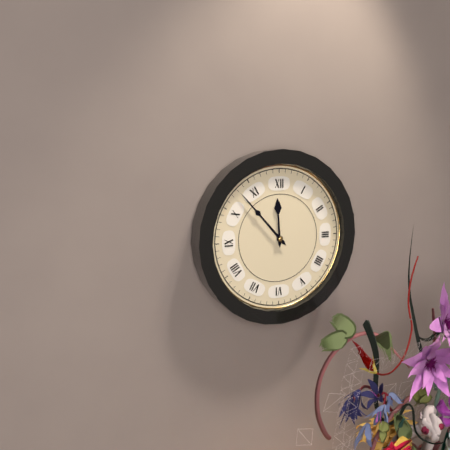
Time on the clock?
11:53
